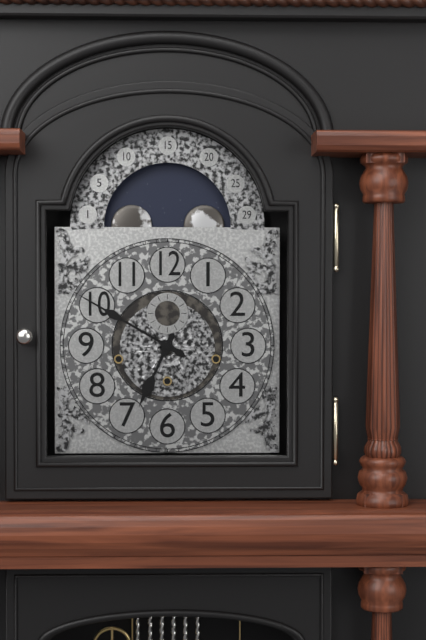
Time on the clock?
6:50
